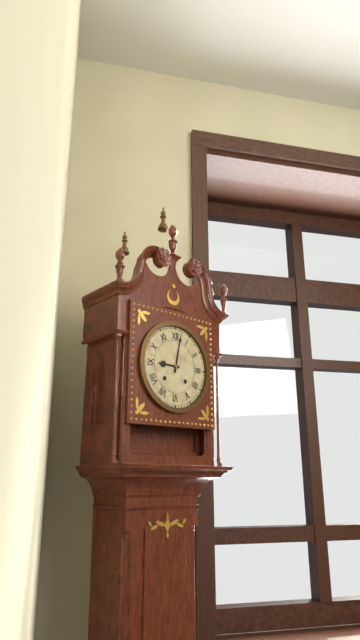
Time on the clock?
9:02
